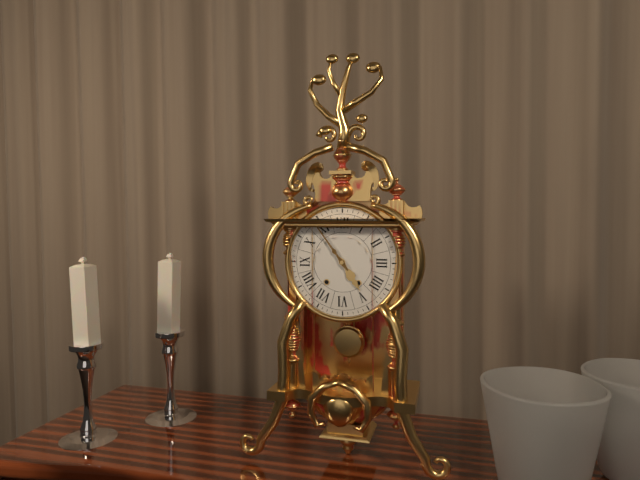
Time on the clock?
4:54
